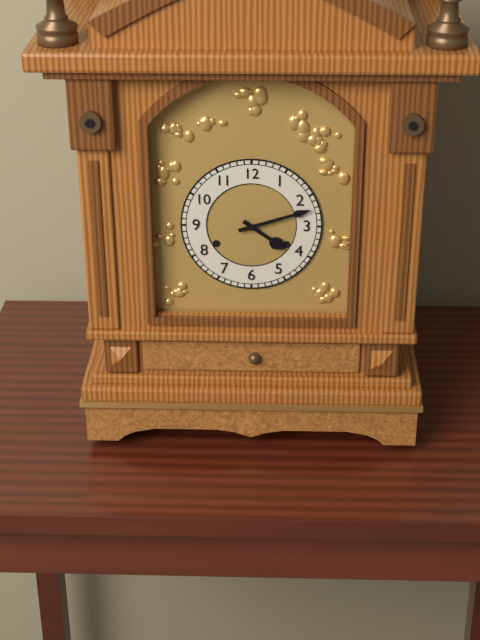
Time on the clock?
4:12
